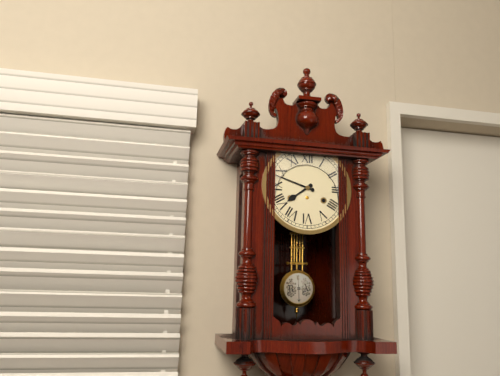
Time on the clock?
7:48
